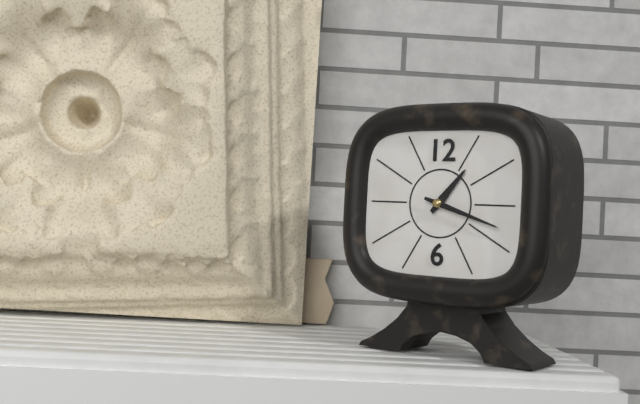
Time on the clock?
1:18
